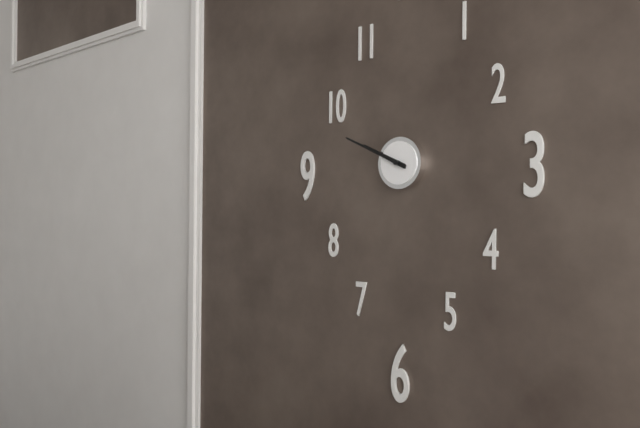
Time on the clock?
9:49
